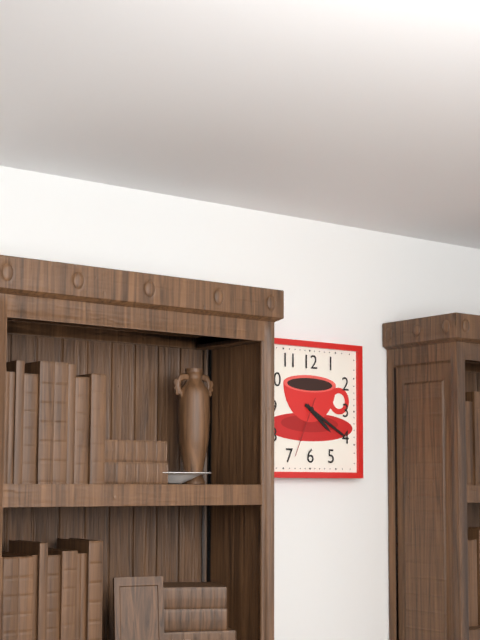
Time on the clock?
4:20:34
